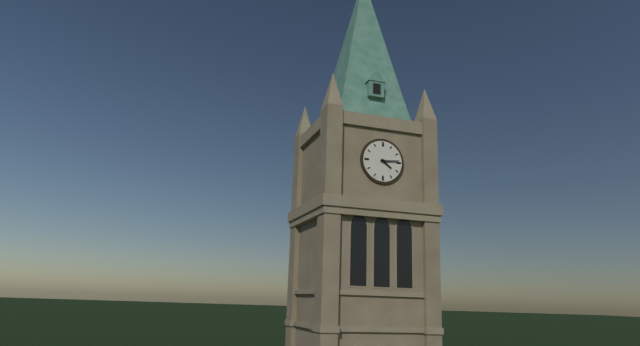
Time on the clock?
4:14
